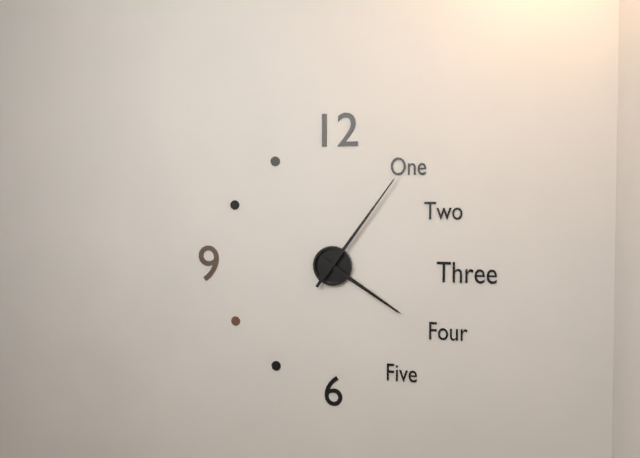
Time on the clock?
4:06
